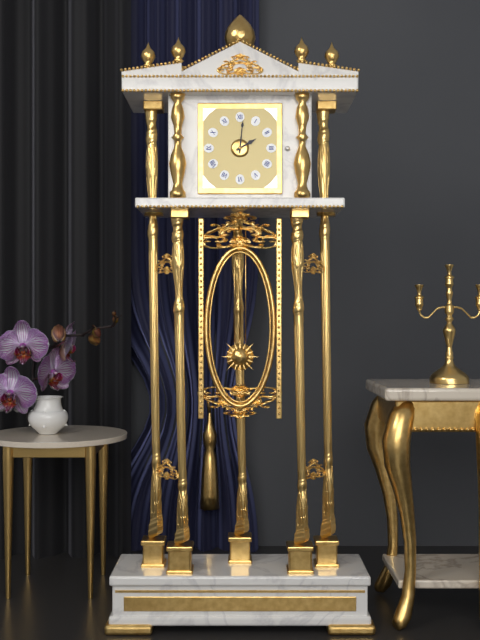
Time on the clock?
2:01
